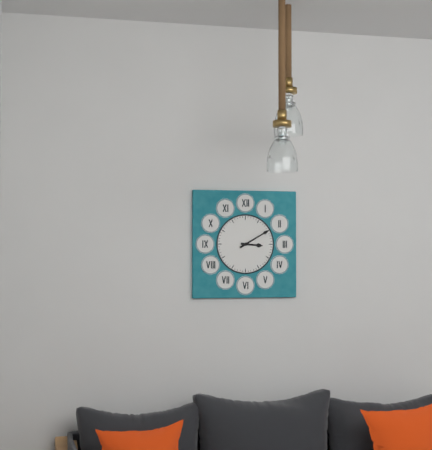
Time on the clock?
3:10
